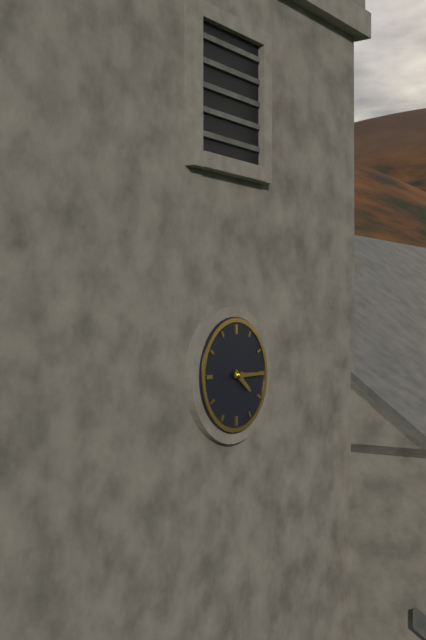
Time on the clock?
4:15
